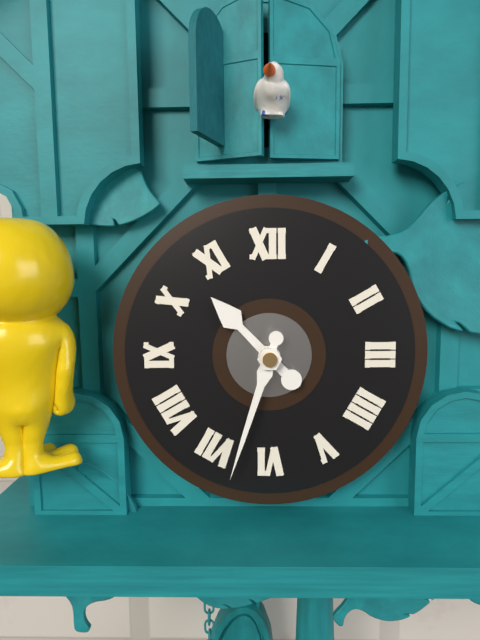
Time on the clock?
10:33
